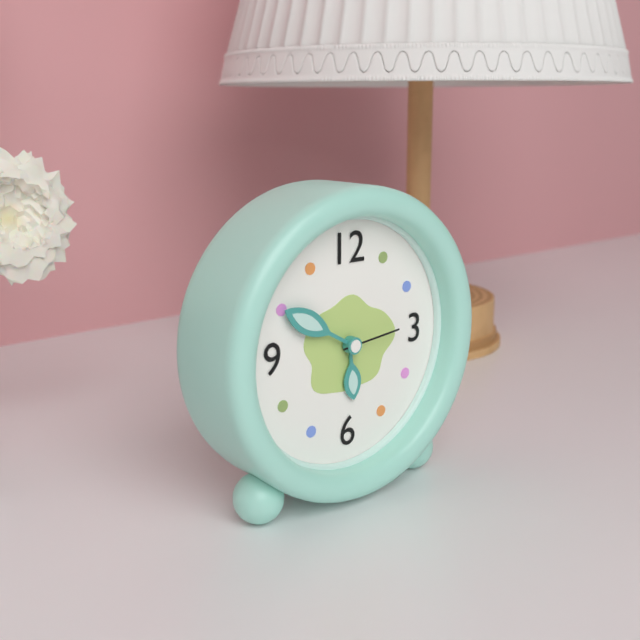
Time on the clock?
5:50:14
